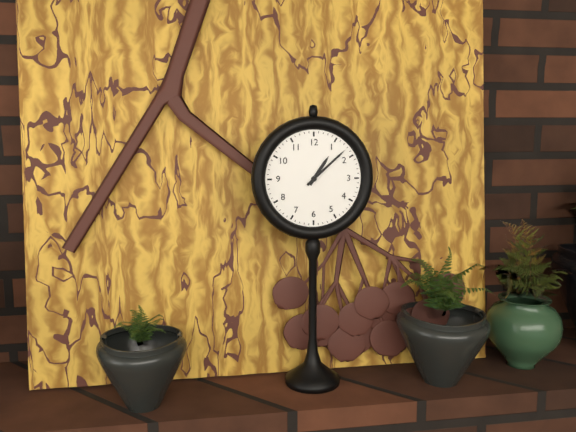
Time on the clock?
1:08
